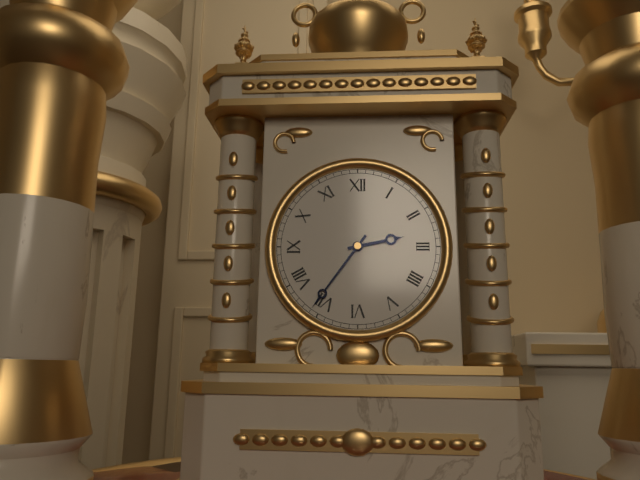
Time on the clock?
2:36
